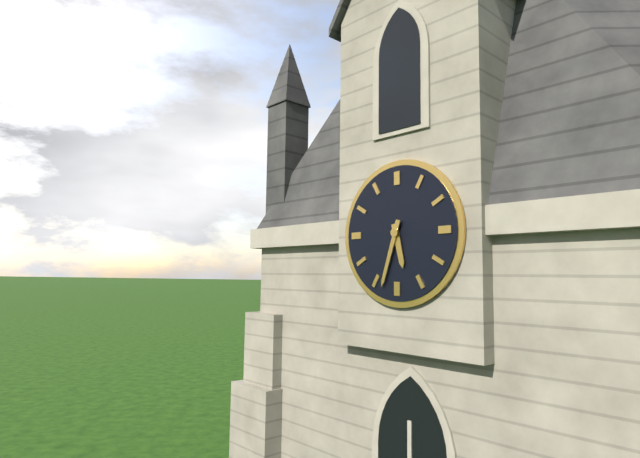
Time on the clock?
5:33
